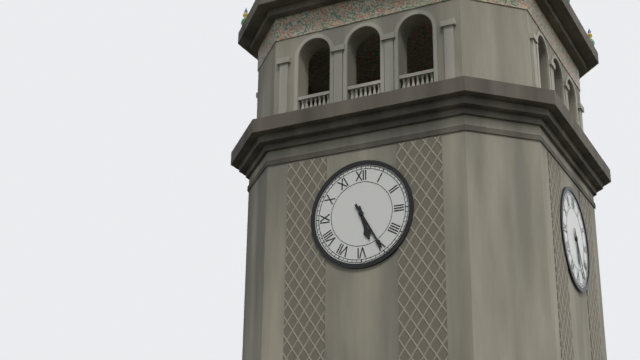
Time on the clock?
5:25
